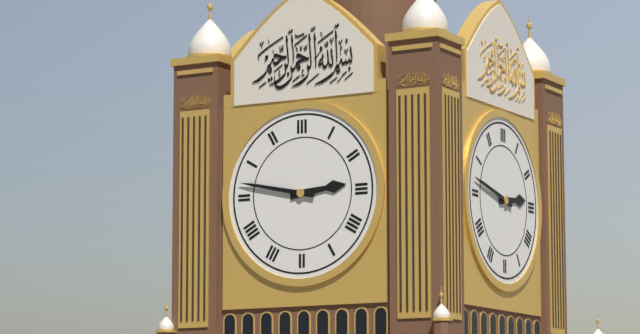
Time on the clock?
2:47
